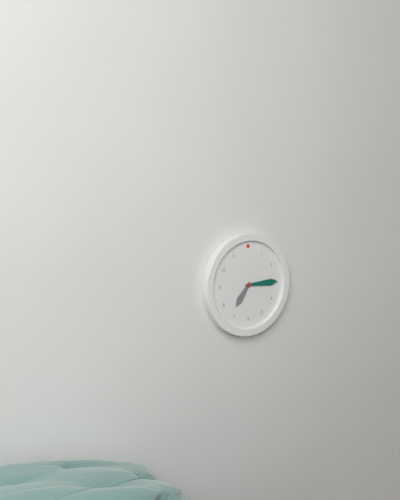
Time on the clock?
7:15
